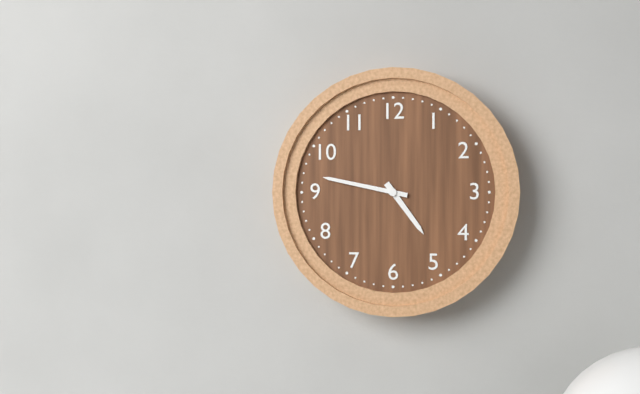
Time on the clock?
4:47
